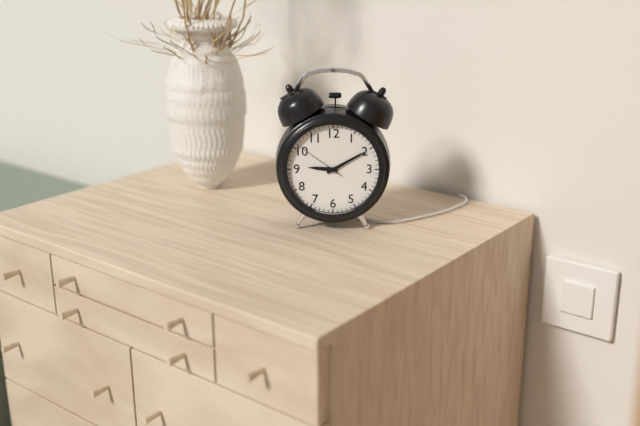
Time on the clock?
9:10:51
